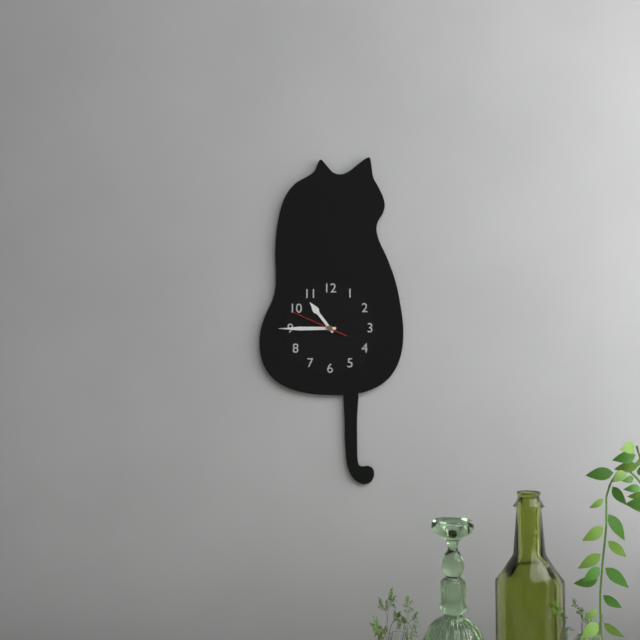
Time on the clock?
10:45:49
